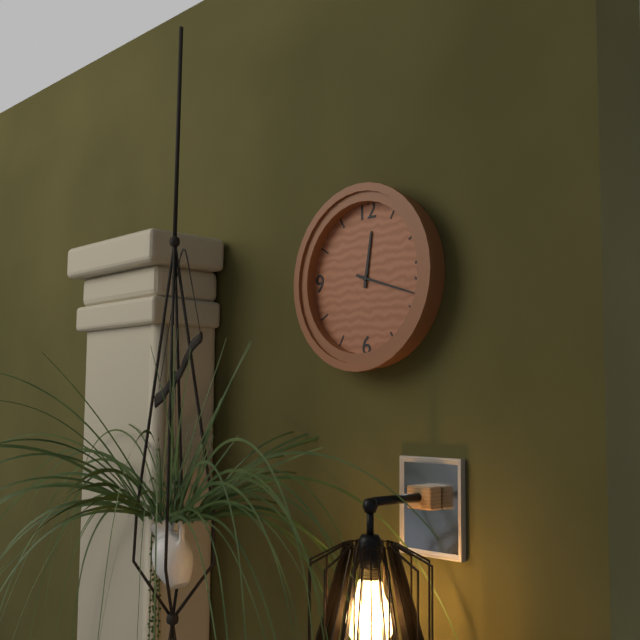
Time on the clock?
12:18
